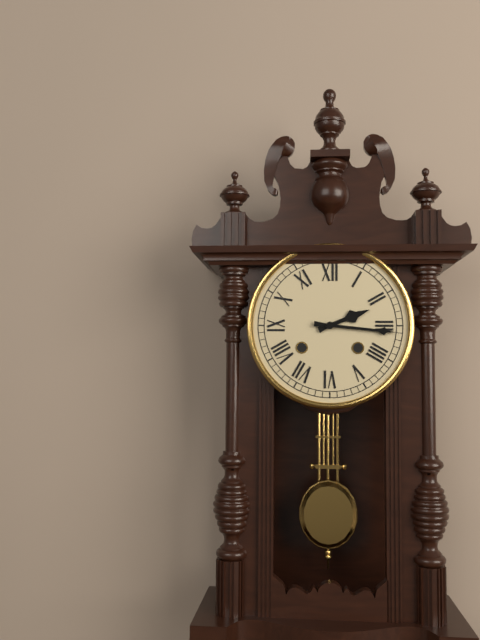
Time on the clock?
2:16
